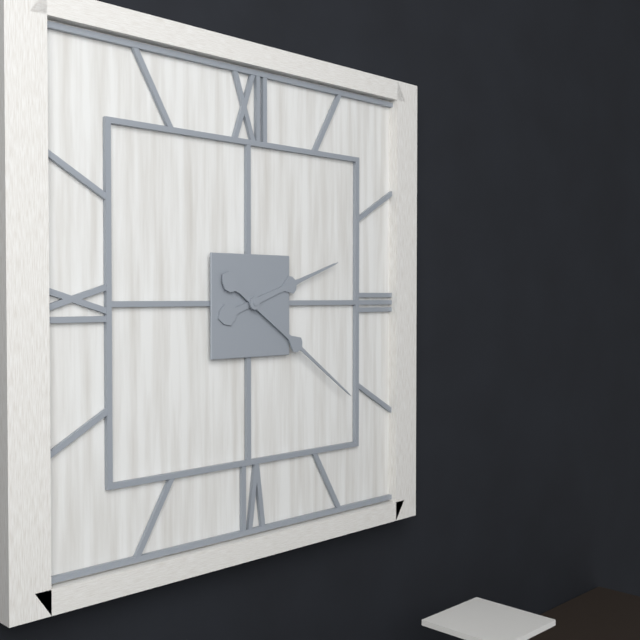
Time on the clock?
2:21
